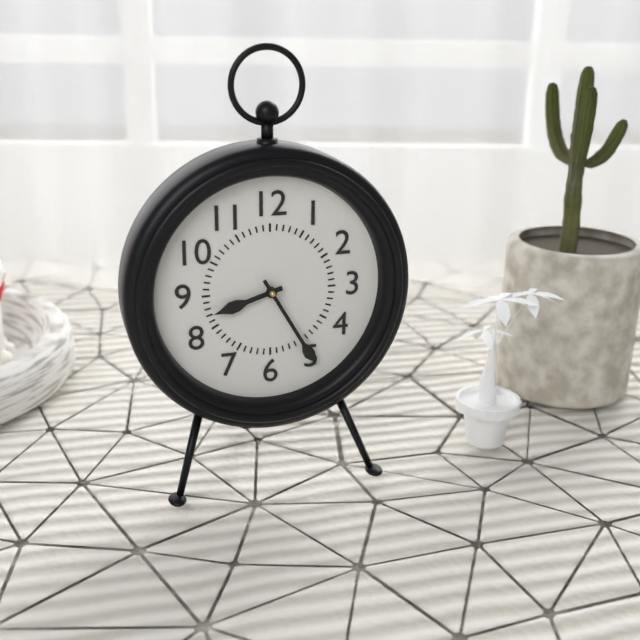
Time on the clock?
8:25
